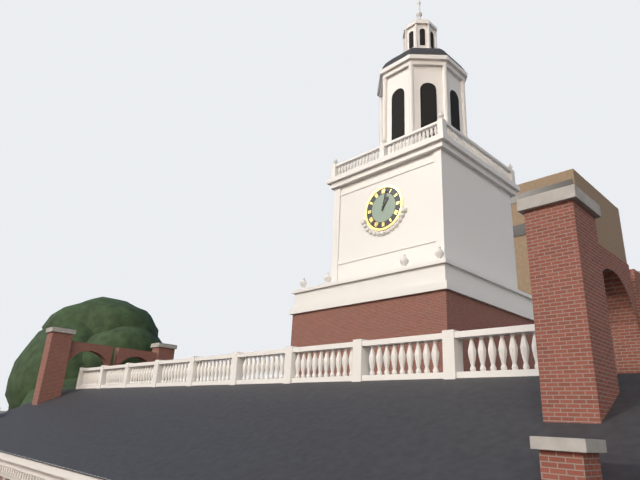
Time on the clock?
1:02
